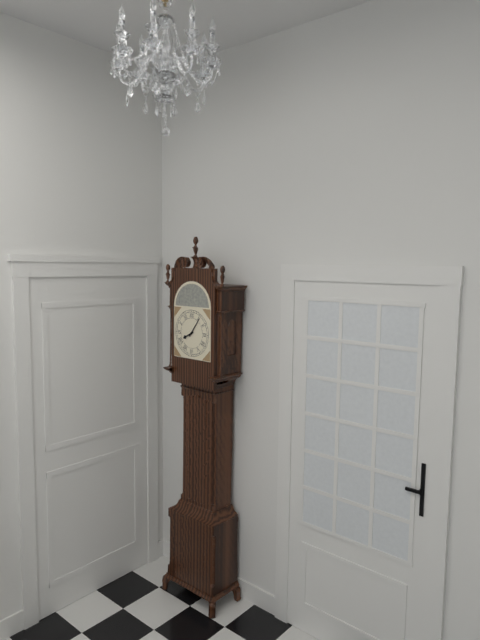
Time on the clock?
8:06
